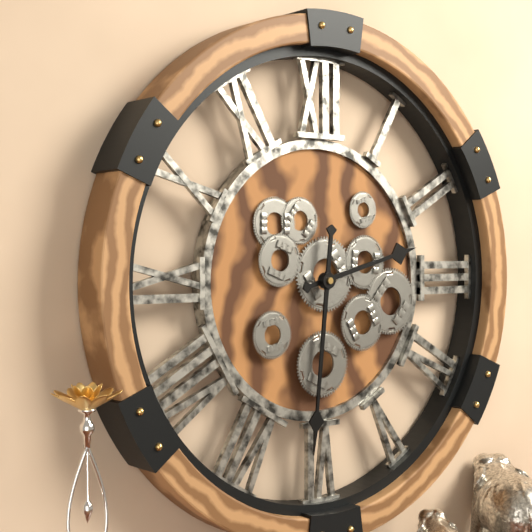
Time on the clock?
2:31
